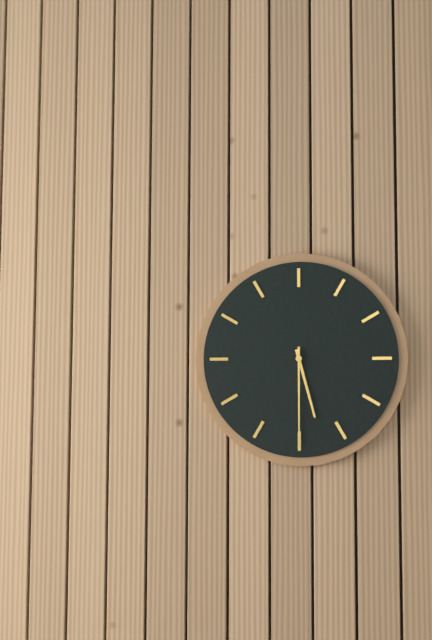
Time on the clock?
5:30
